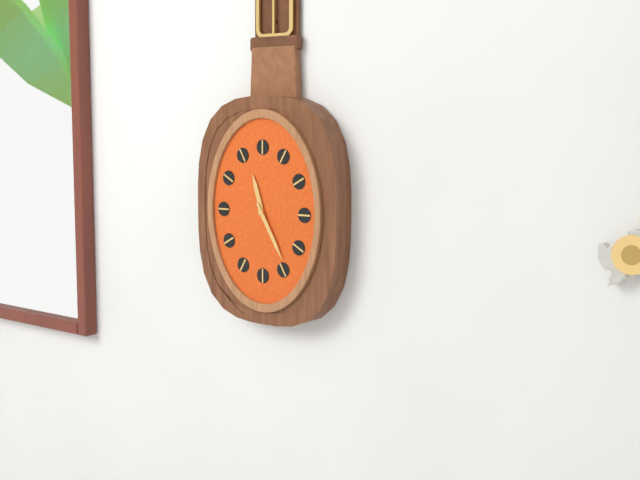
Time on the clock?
11:25
